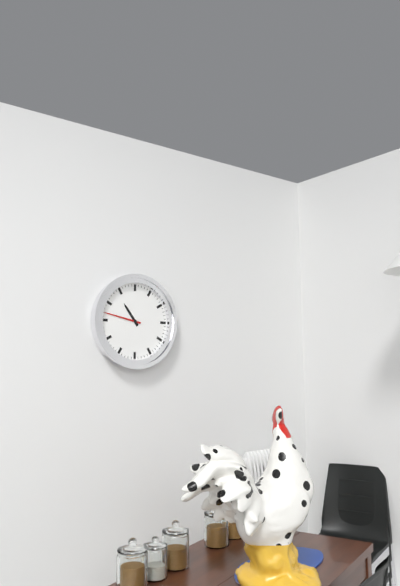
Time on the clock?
10:47
